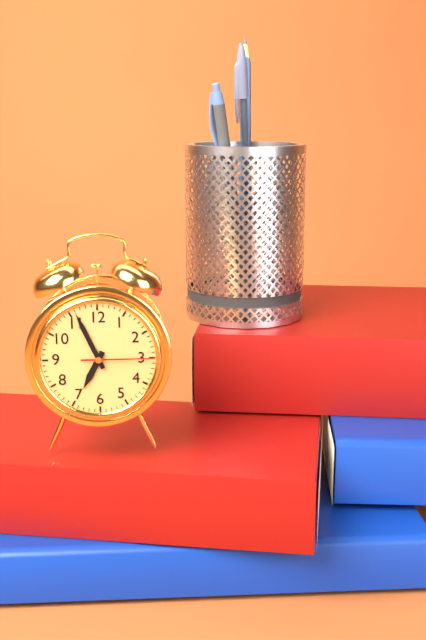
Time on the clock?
6:56:15
